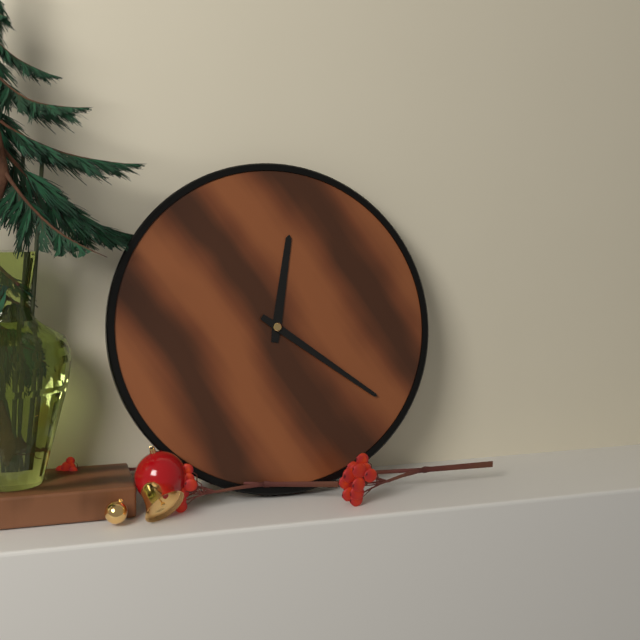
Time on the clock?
12:21
